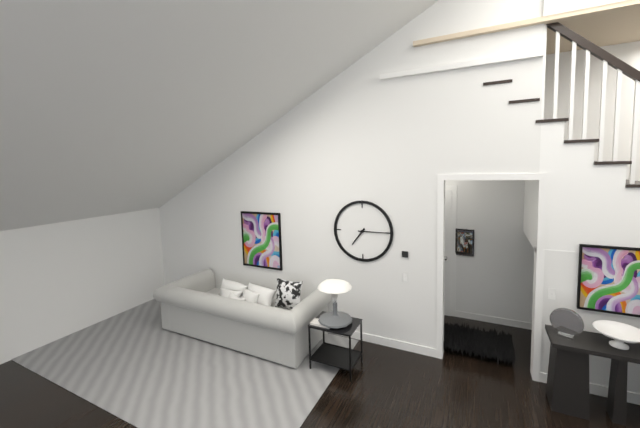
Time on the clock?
7:15
